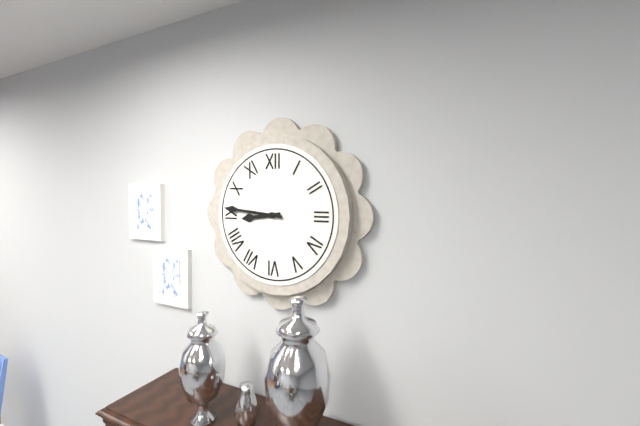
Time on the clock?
8:46
